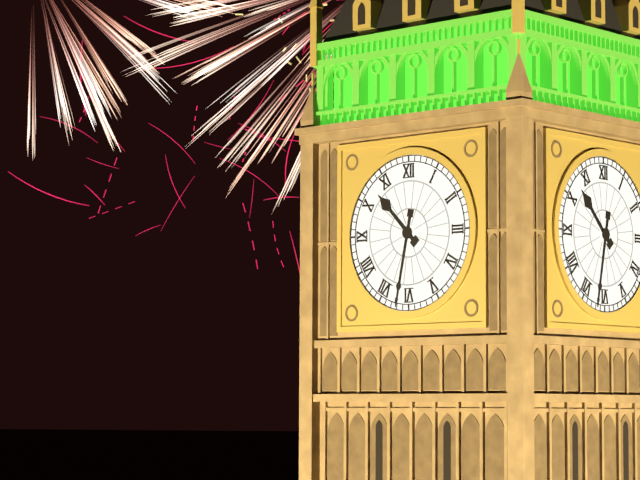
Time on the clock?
10:32
